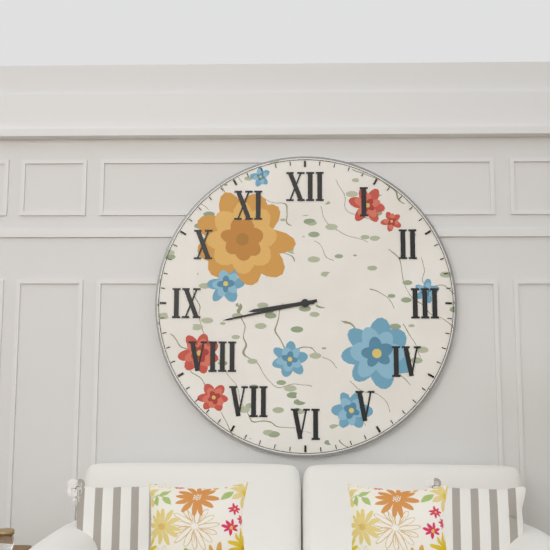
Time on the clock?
8:43
